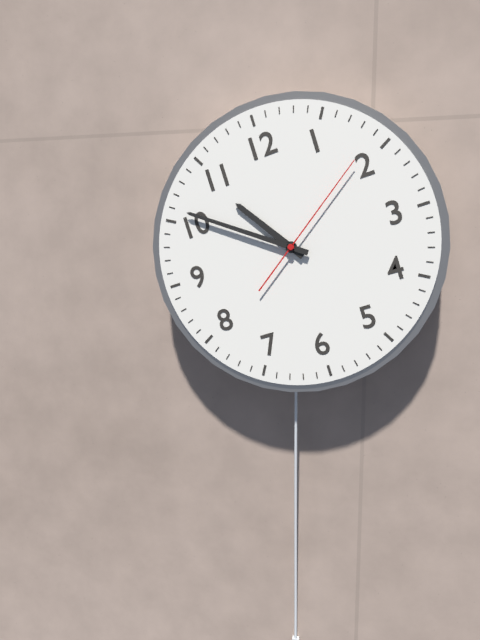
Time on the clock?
10:51:09
